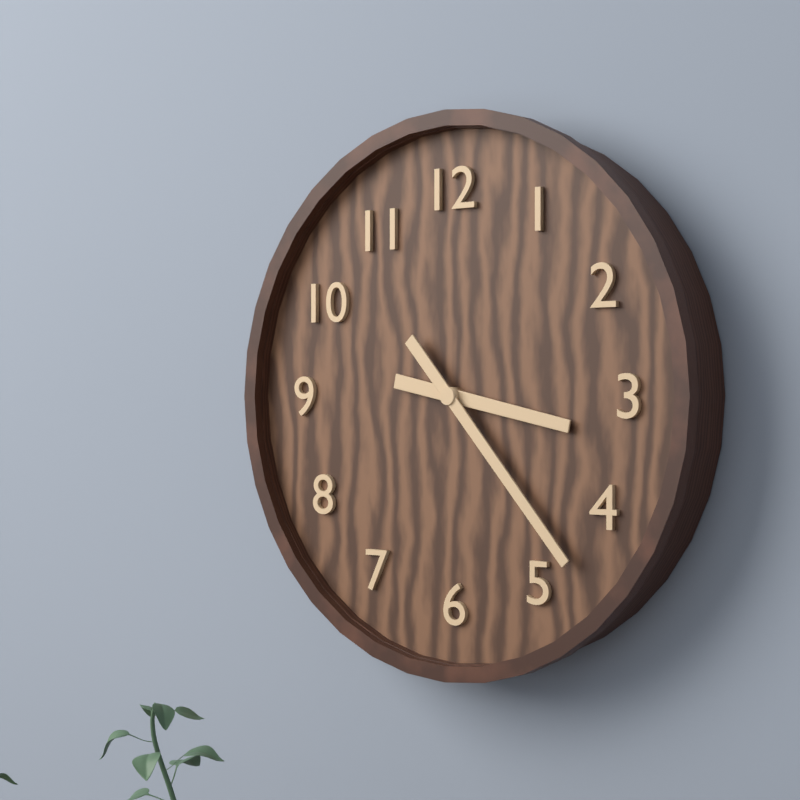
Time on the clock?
3:23
